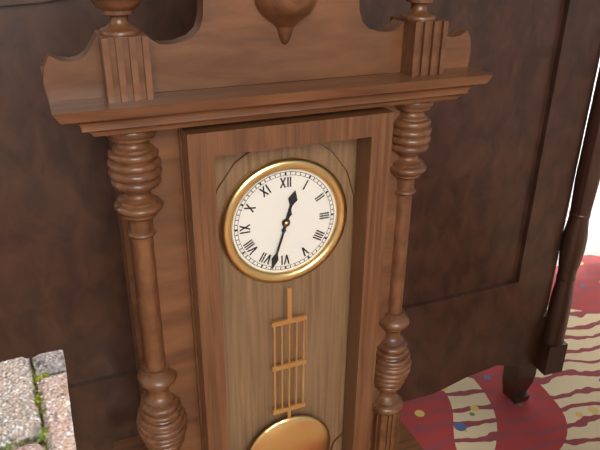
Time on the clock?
12:33
